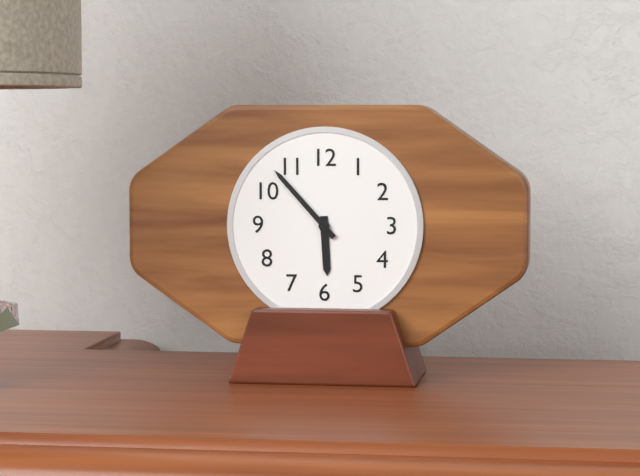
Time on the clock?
5:53
